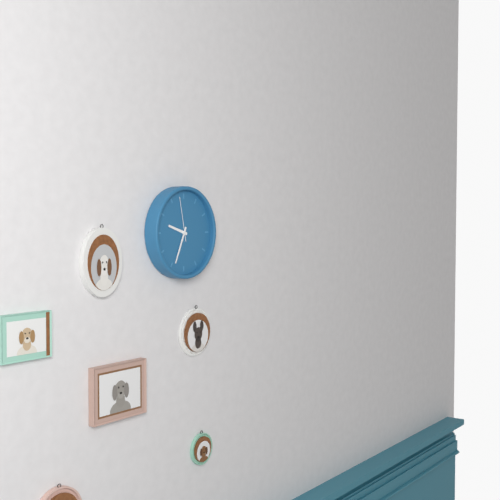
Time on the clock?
9:34
